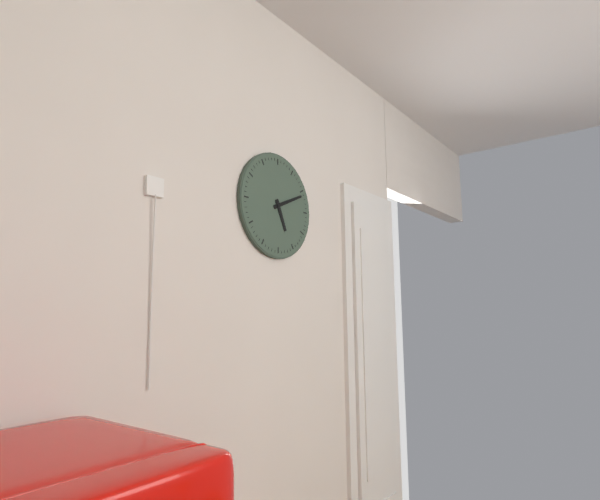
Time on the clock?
5:11
